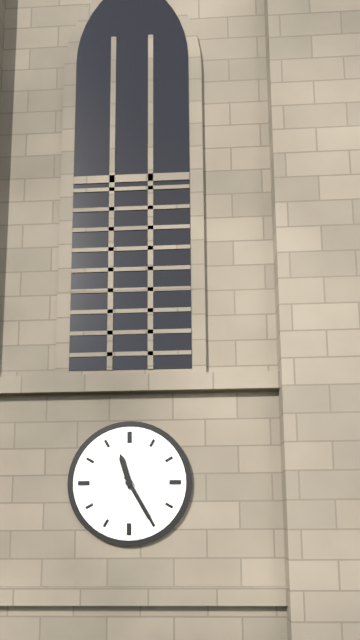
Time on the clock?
11:25
